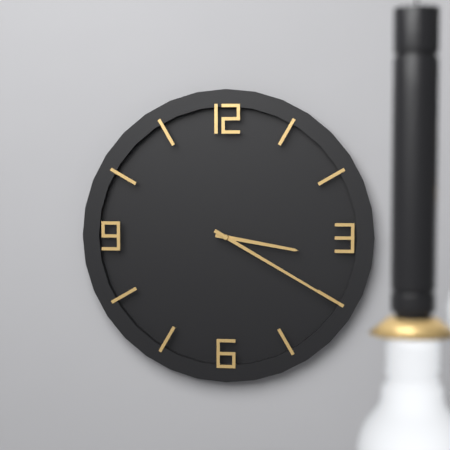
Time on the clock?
3:20
